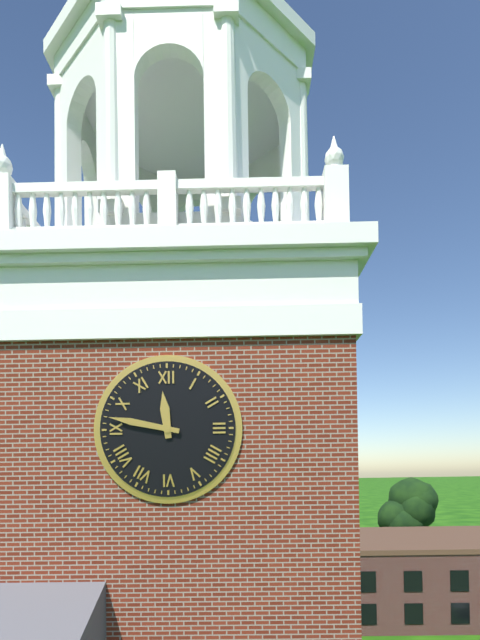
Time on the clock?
11:47
